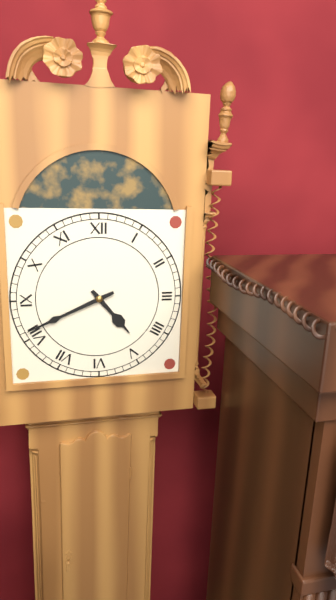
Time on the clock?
4:41
